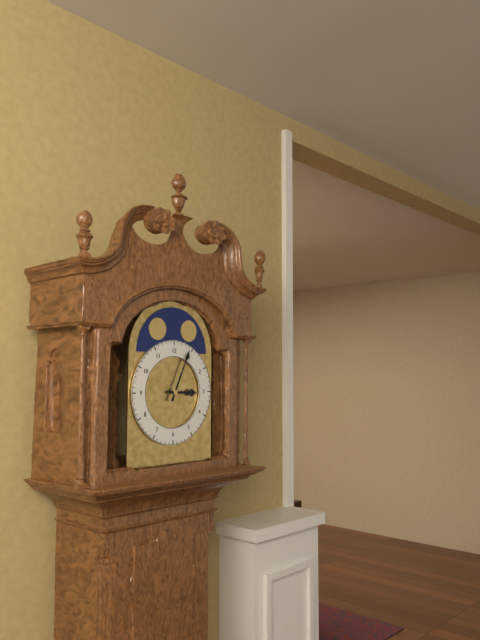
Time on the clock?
3:04
